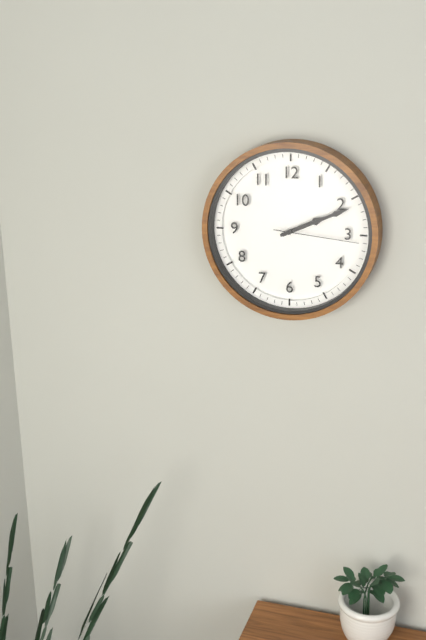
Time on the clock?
2:11:16
